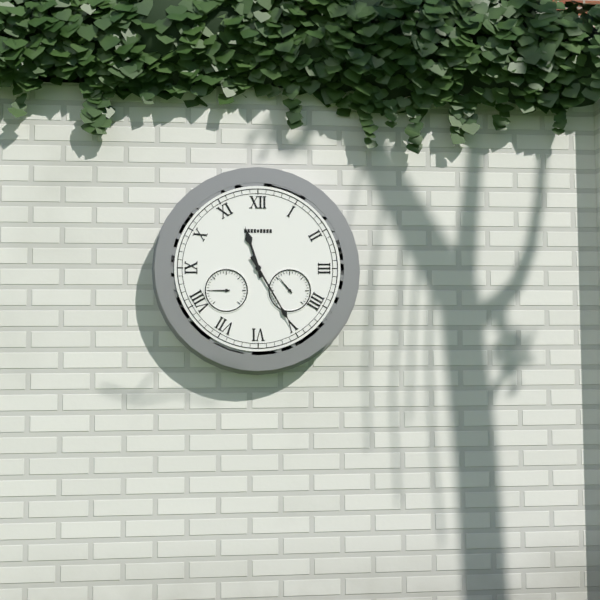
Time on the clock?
11:25
